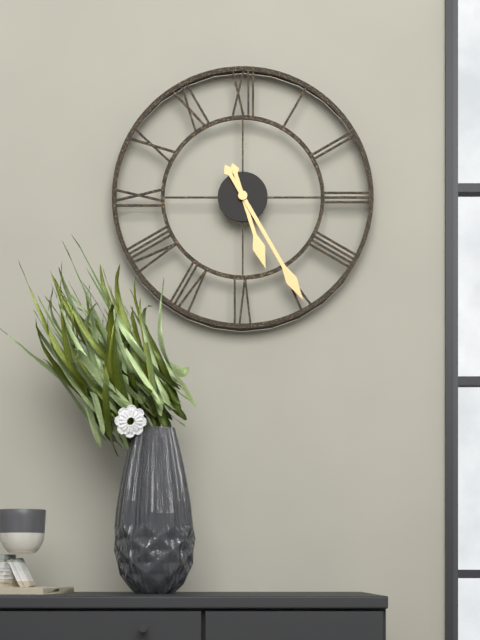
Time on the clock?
5:25
